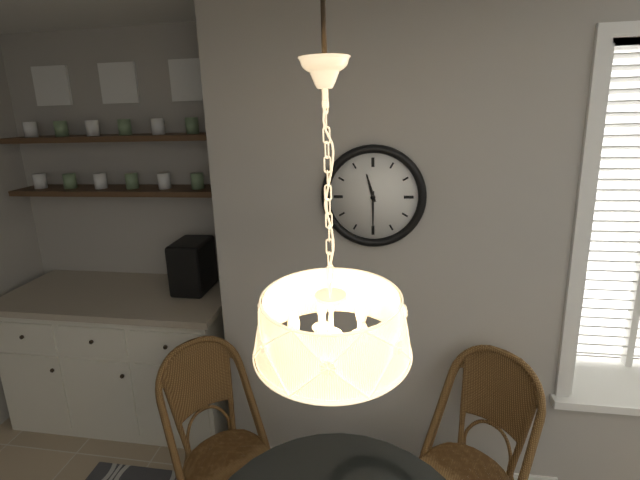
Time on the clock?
11:30
